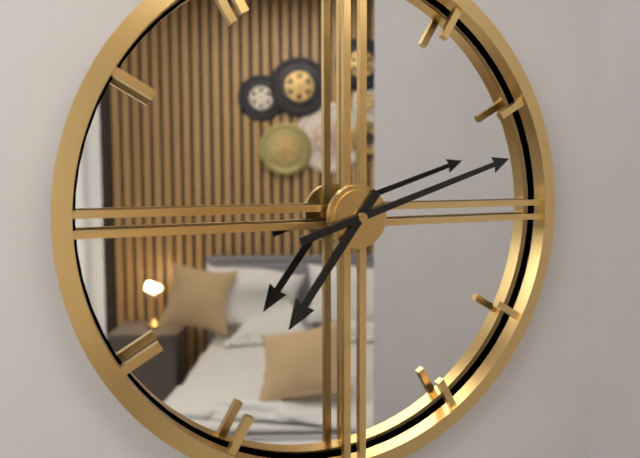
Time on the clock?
7:12
